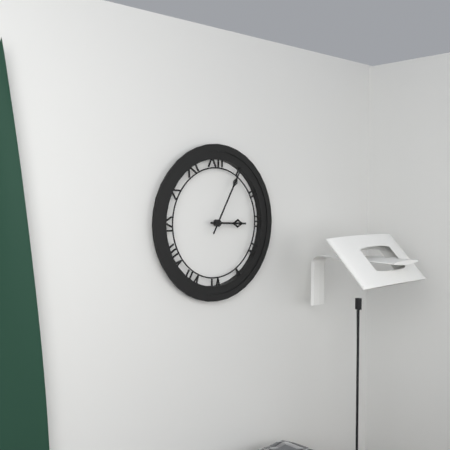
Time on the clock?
3:05
